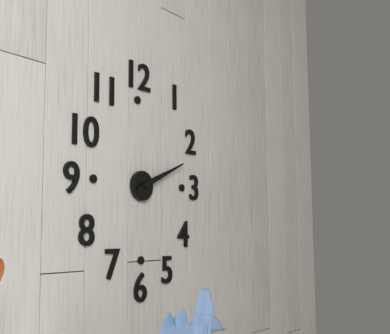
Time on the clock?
2:11
